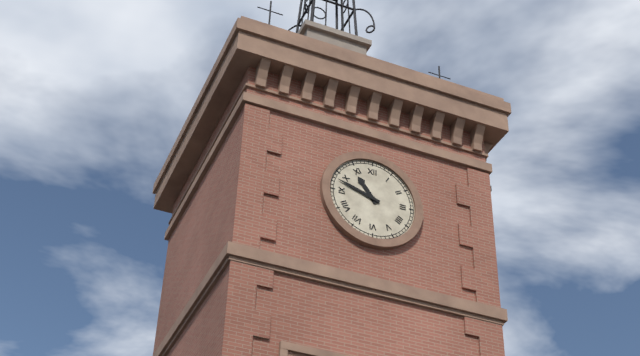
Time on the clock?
10:48
